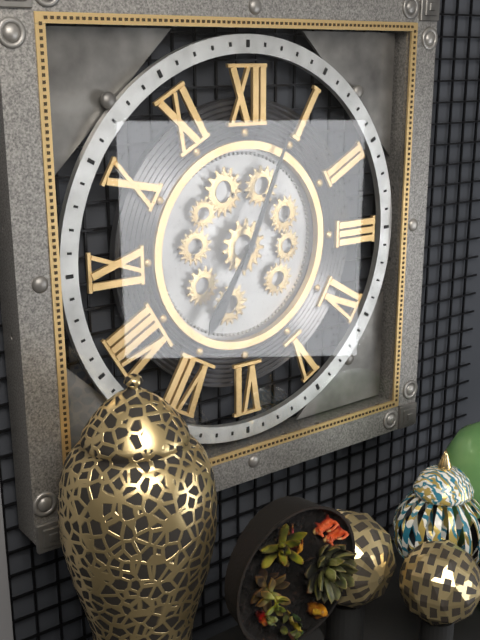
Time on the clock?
7:04
